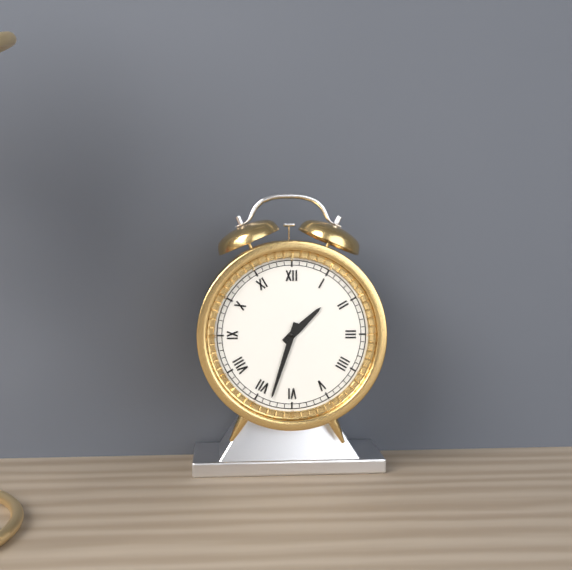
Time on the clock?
1:33
